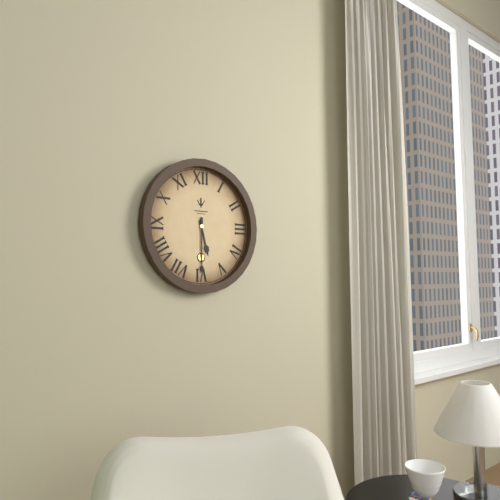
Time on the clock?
5:30
